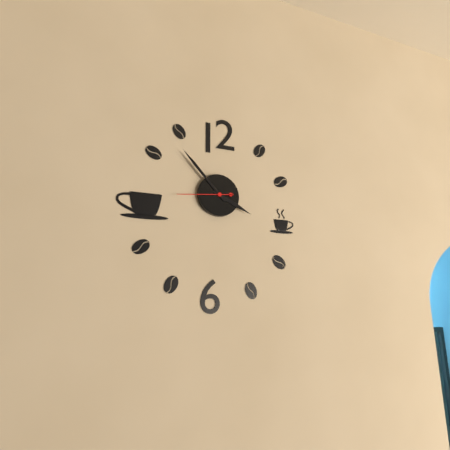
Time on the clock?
3:53:44
